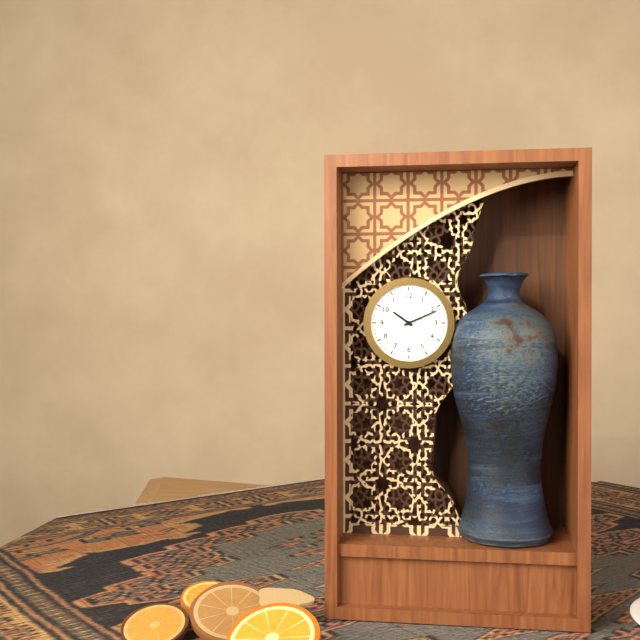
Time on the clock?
10:11
